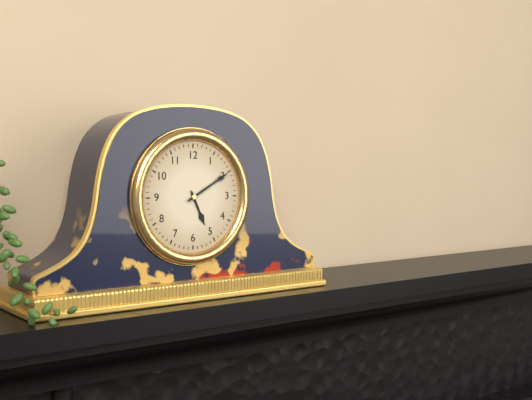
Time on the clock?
5:10
